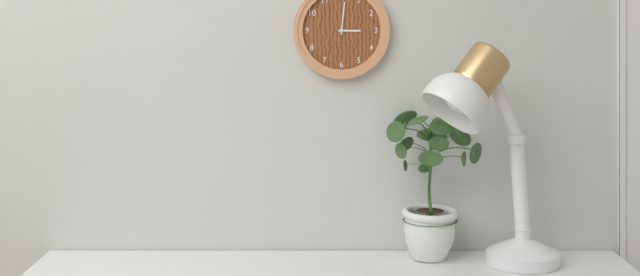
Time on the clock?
3:01
